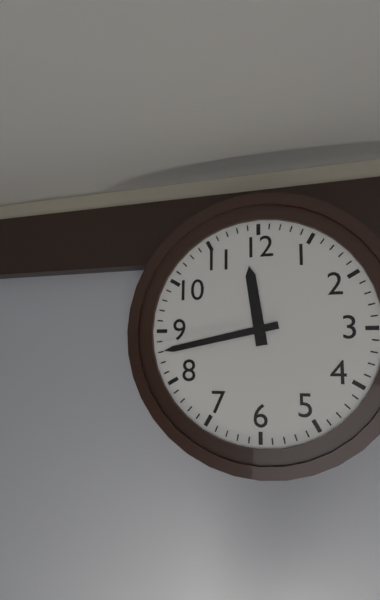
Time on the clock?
11:43
